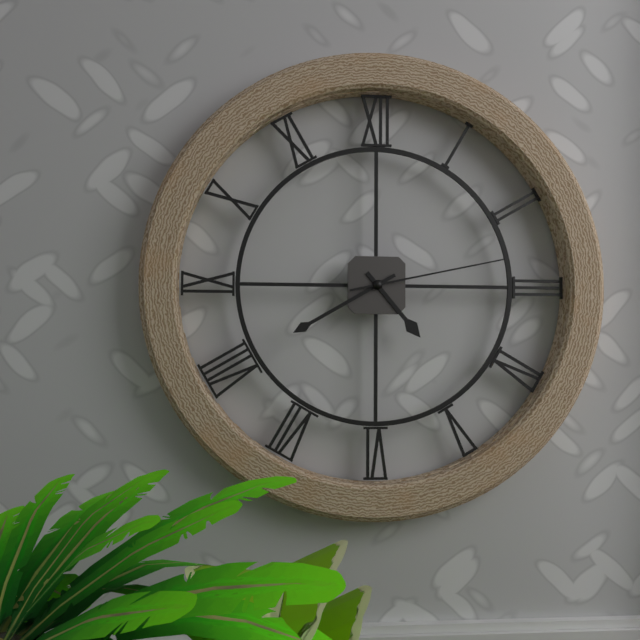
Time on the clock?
4:40:13
